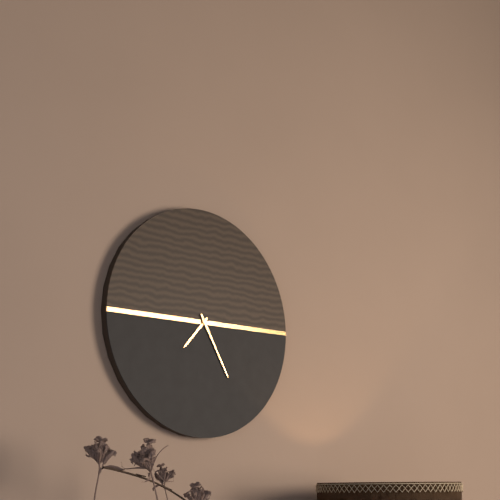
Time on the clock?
7:25
